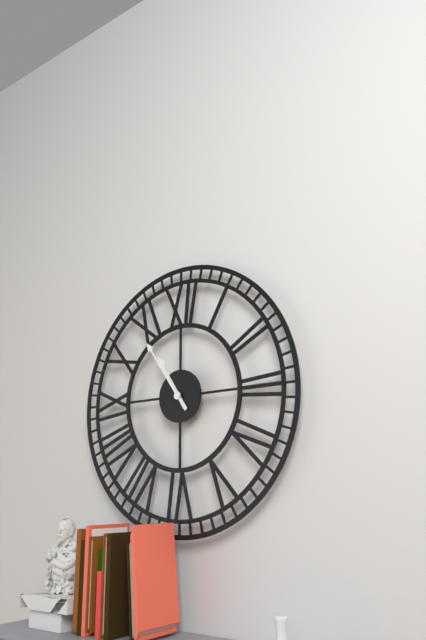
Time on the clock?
10:54
